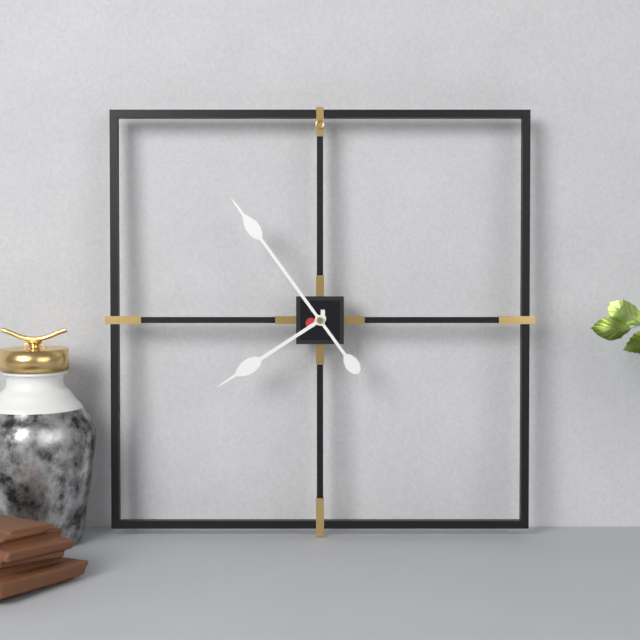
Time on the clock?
7:54
